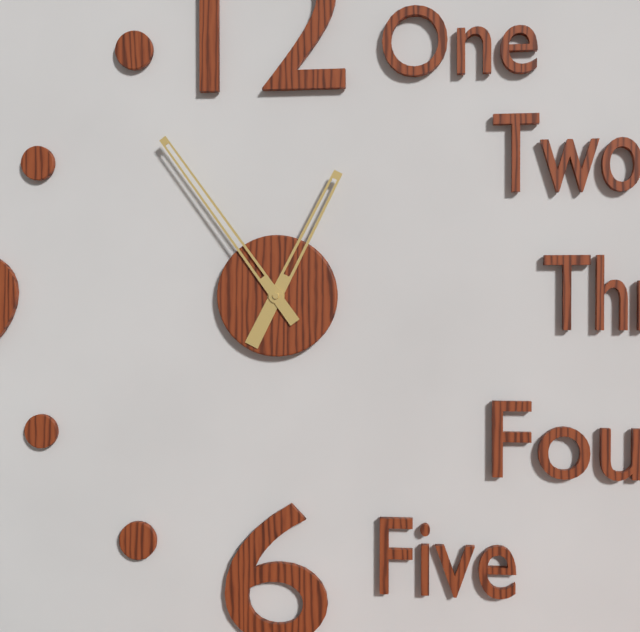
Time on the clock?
12:54
